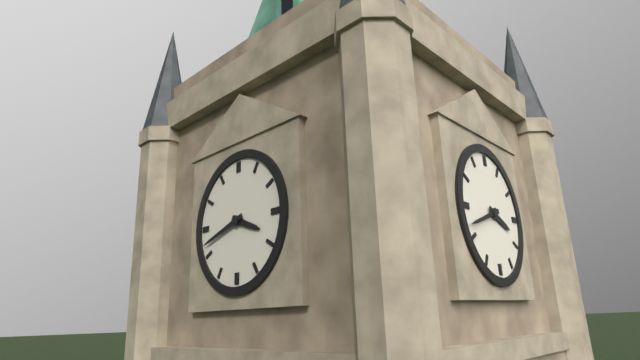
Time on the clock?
3:42
